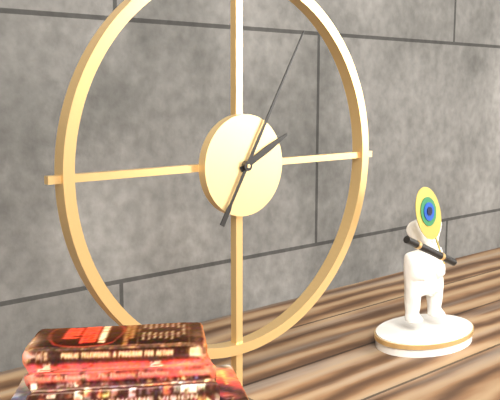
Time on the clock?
2:05
